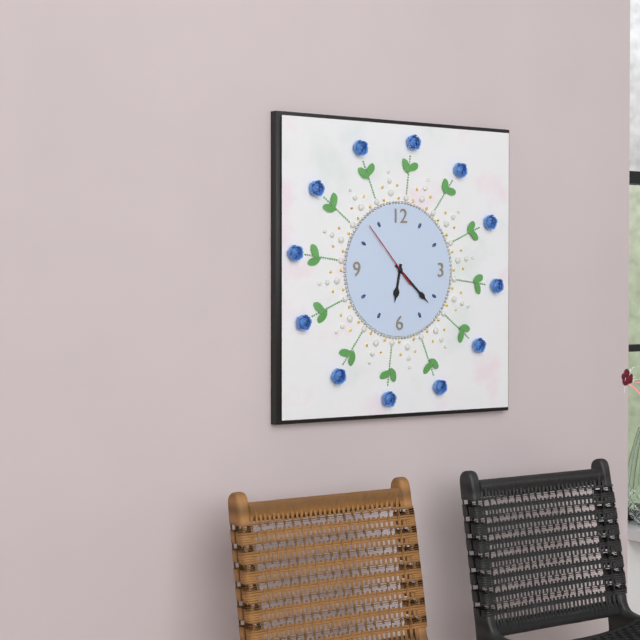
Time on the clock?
6:22:53
